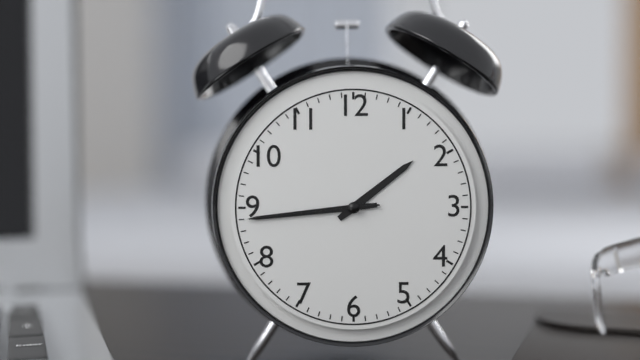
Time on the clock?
1:44:44
